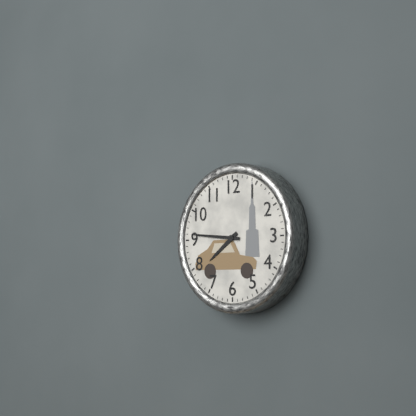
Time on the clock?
7:46
